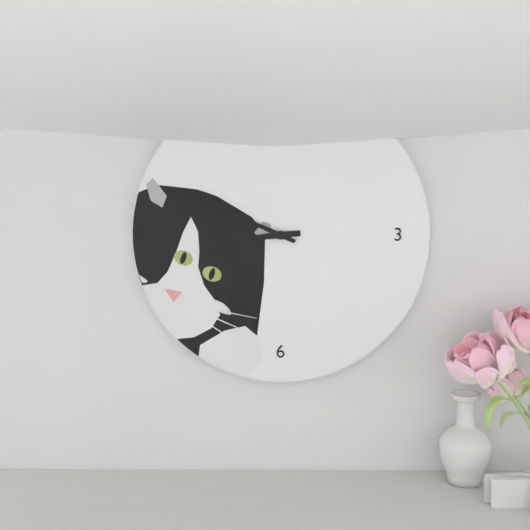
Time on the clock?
8:49
